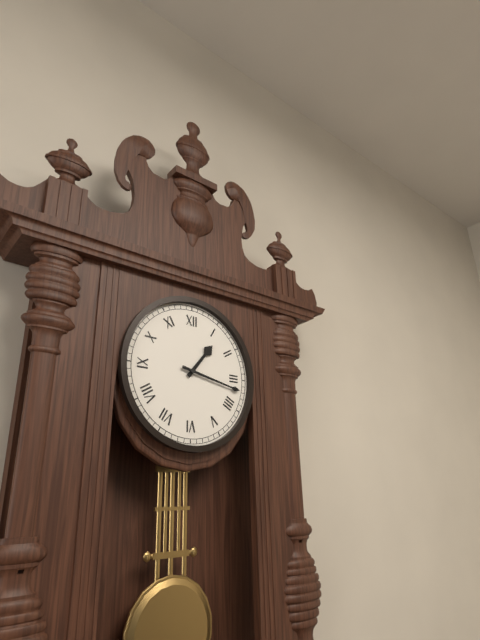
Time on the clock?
1:17
